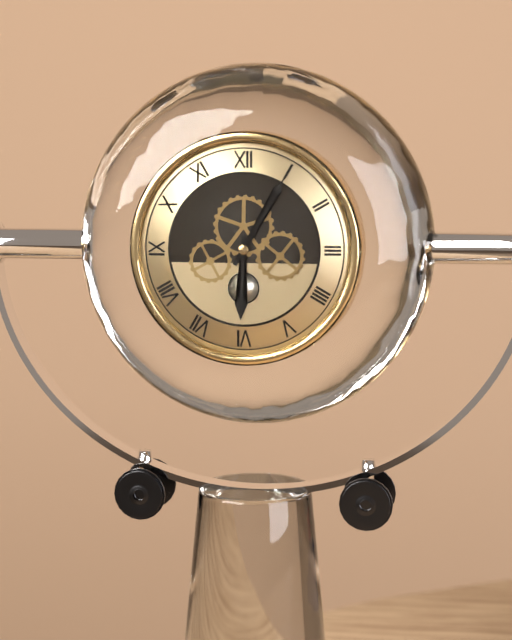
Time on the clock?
6:05
